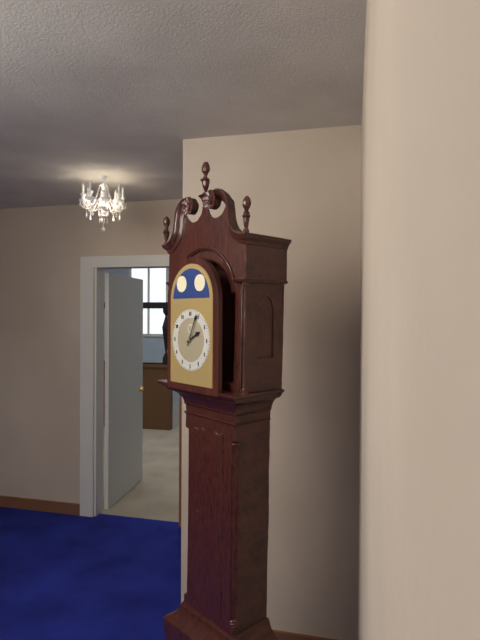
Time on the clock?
2:04
